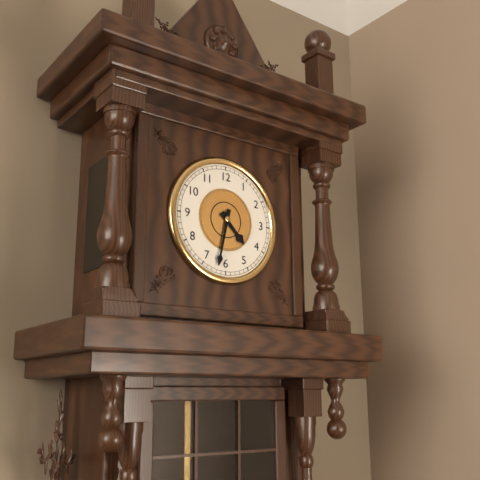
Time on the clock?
4:32
